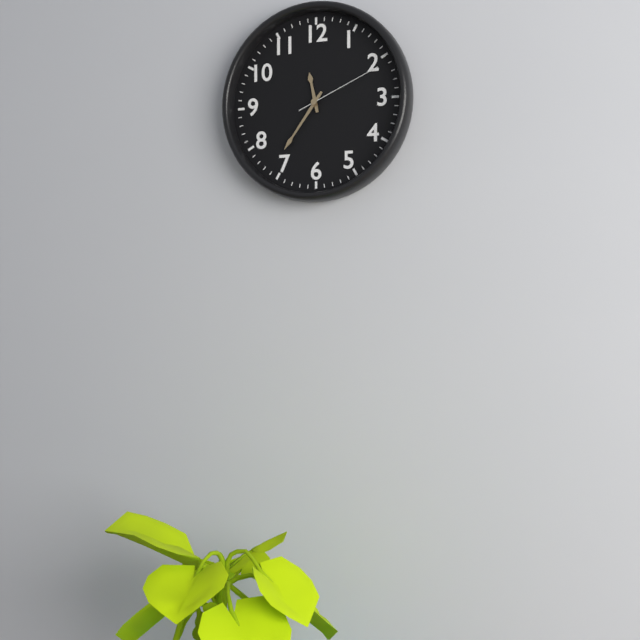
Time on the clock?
11:36:11
